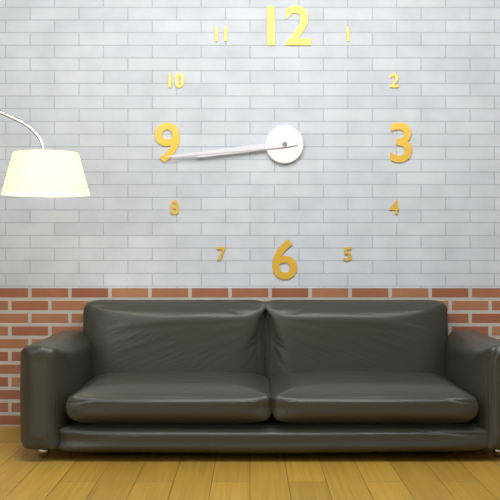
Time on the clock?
8:44
